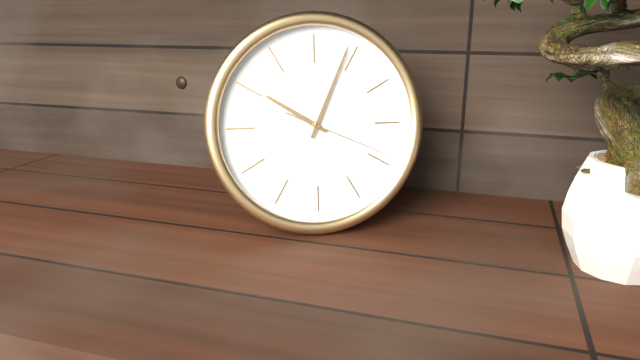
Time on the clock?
10:04:19
